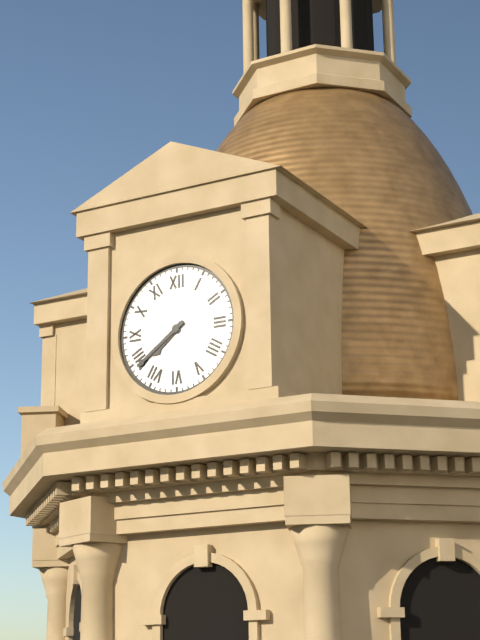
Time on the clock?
7:39
